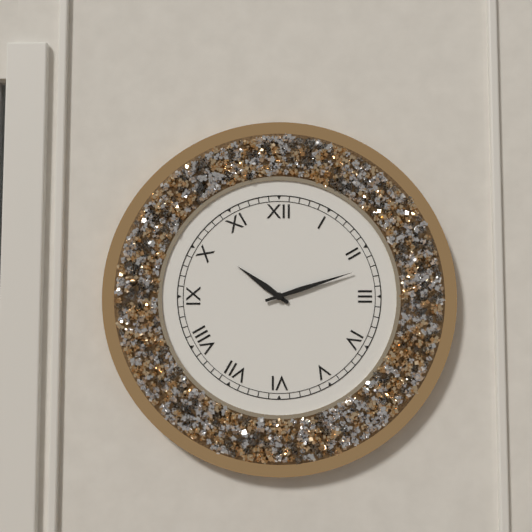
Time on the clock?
10:12
